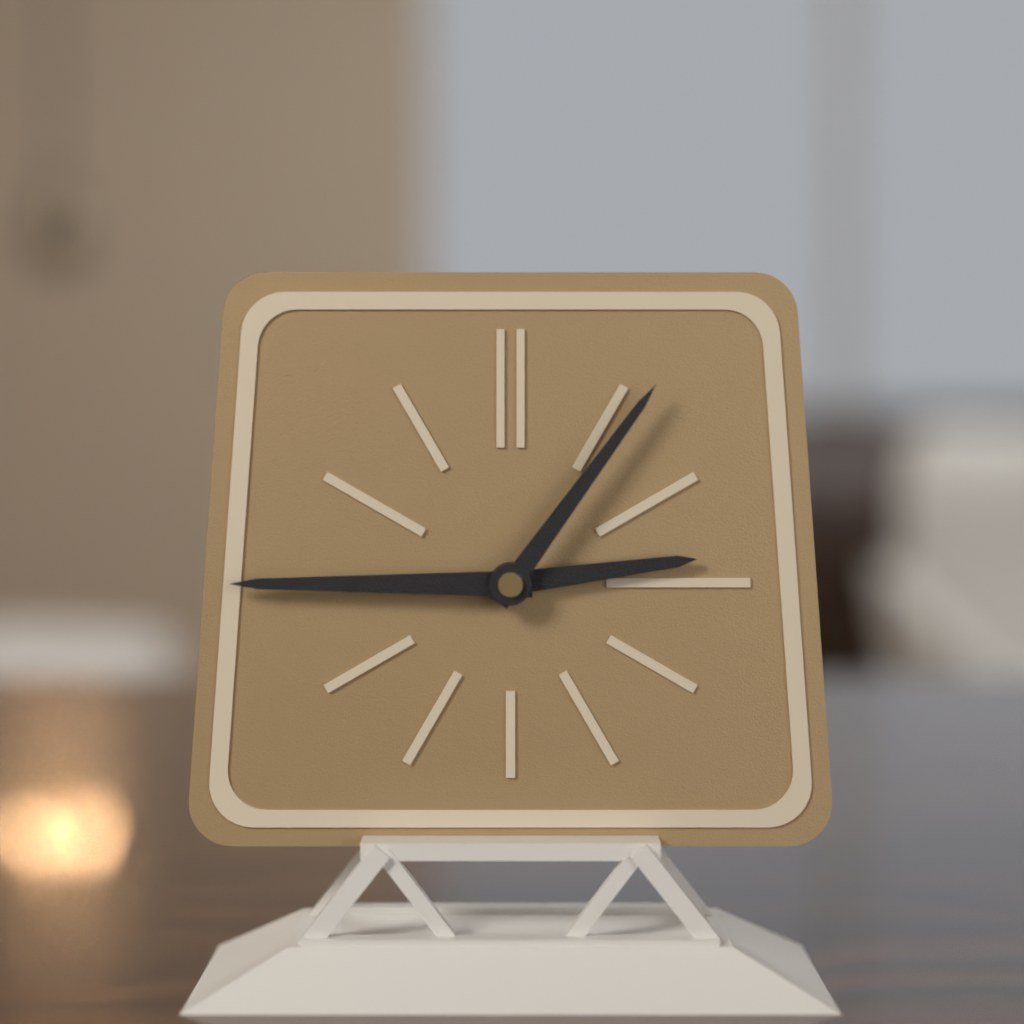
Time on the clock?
2:45:06
